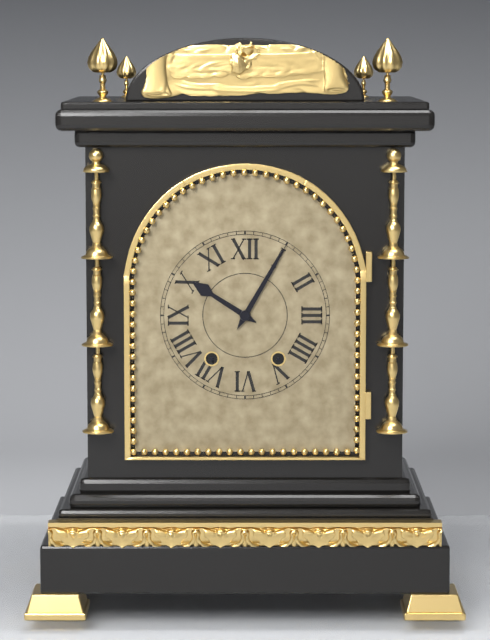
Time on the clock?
10:05
